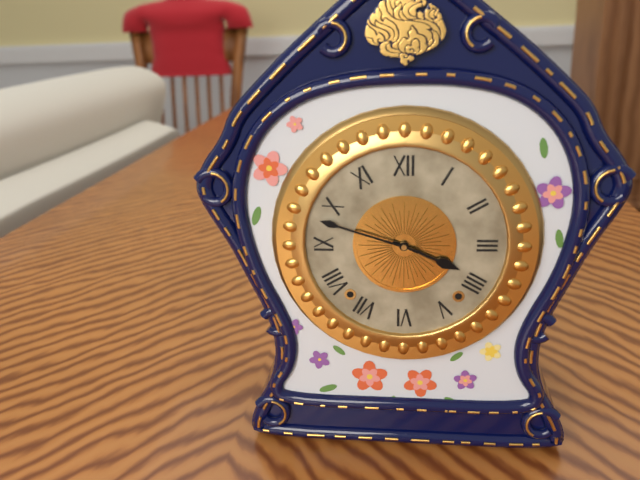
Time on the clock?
3:48
